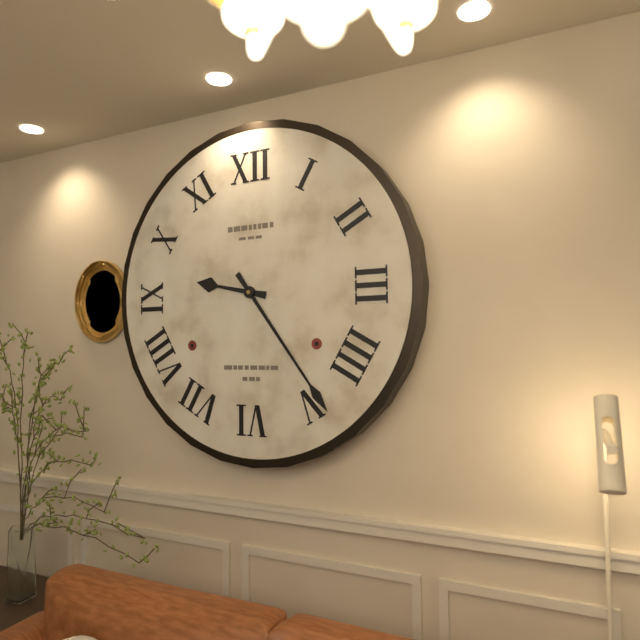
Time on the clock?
9:24
